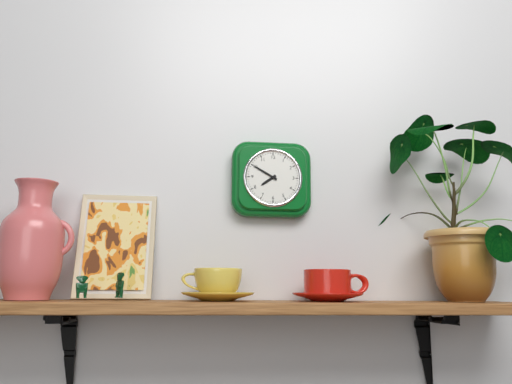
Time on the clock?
7:50
